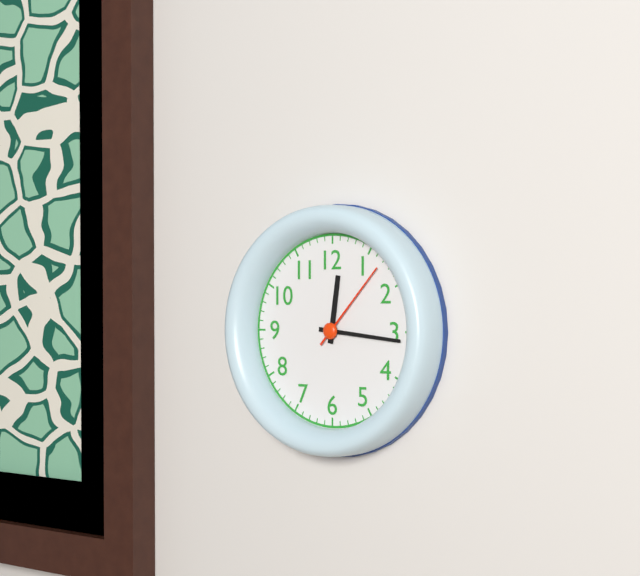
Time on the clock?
12:16:07
